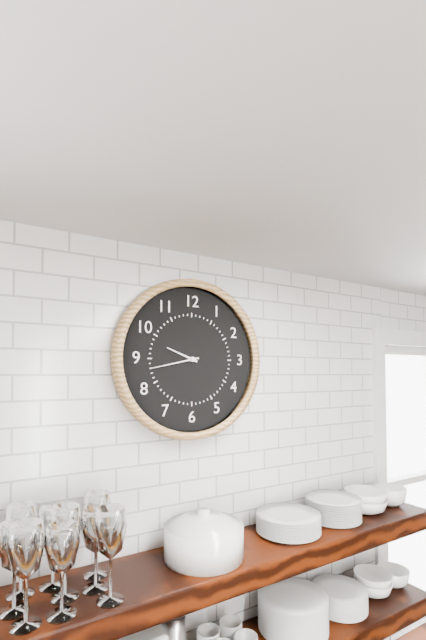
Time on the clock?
9:43
